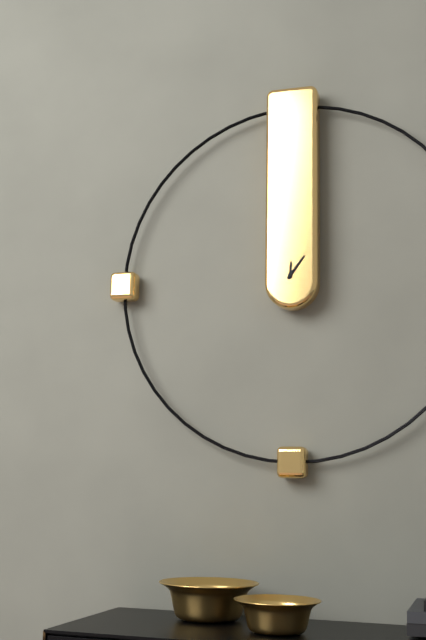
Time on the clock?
12:06
